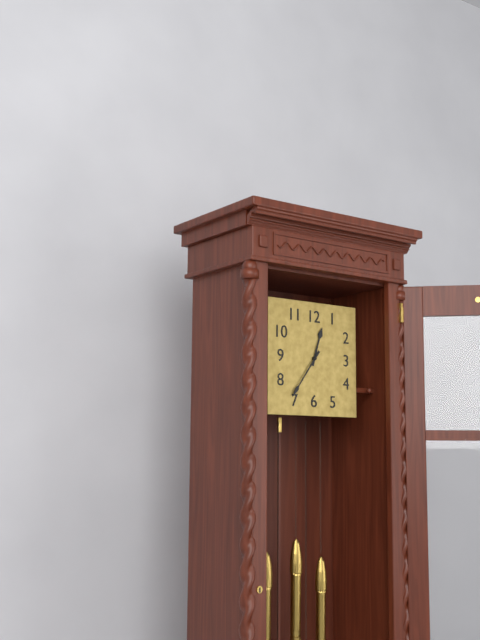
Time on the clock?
12:36
